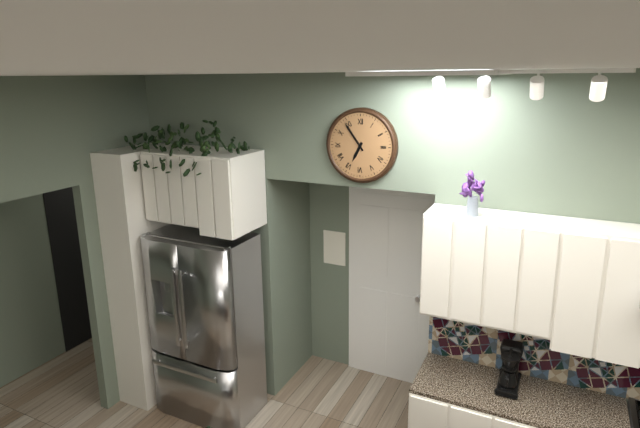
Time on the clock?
6:54
